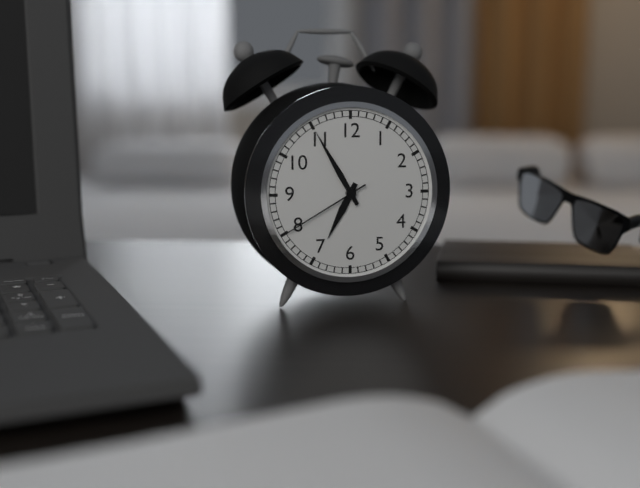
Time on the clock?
6:55:40
